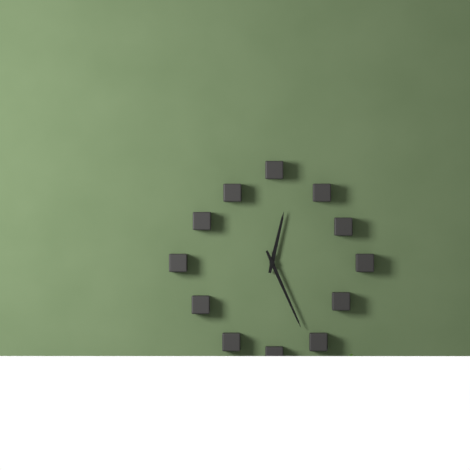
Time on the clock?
12:26
